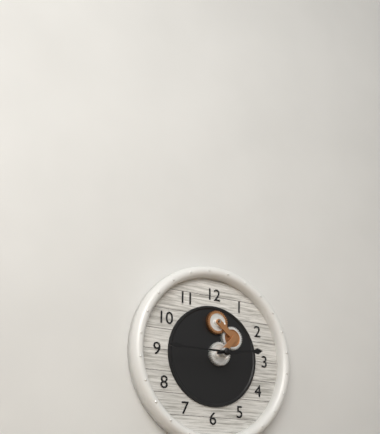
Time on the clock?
2:45
